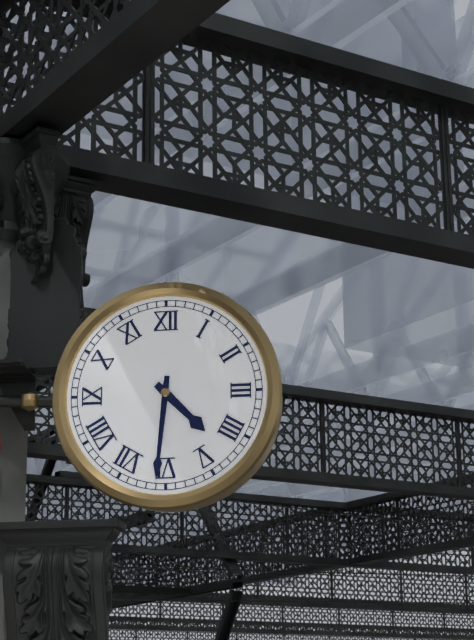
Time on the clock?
4:31
